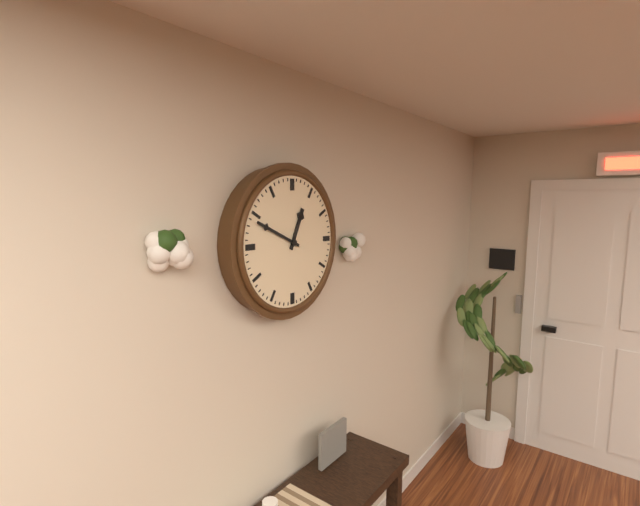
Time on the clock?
12:49
